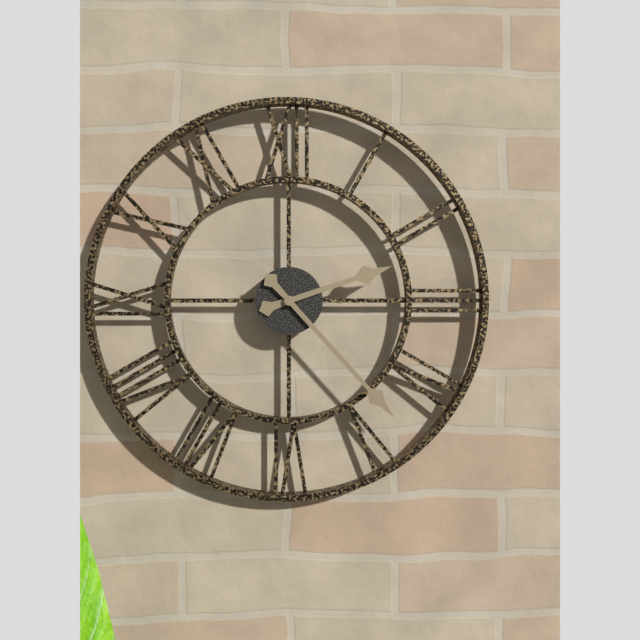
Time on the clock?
2:23
